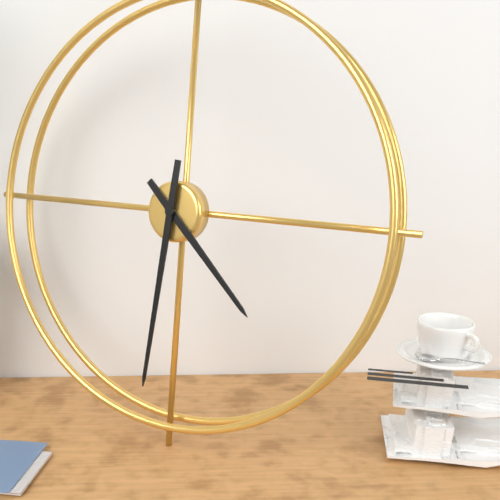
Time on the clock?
4:31
